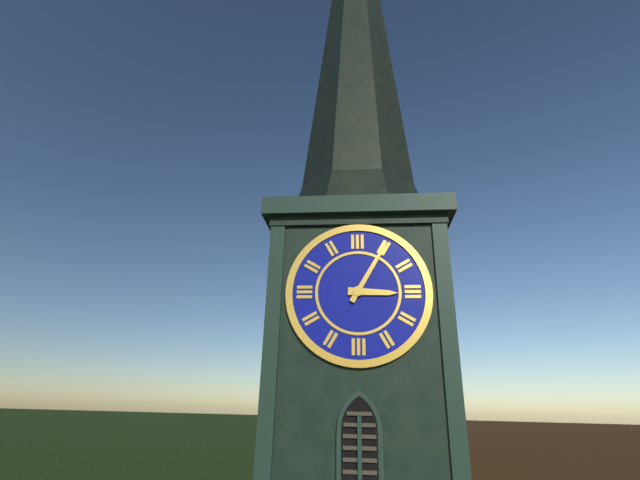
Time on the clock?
3:05
